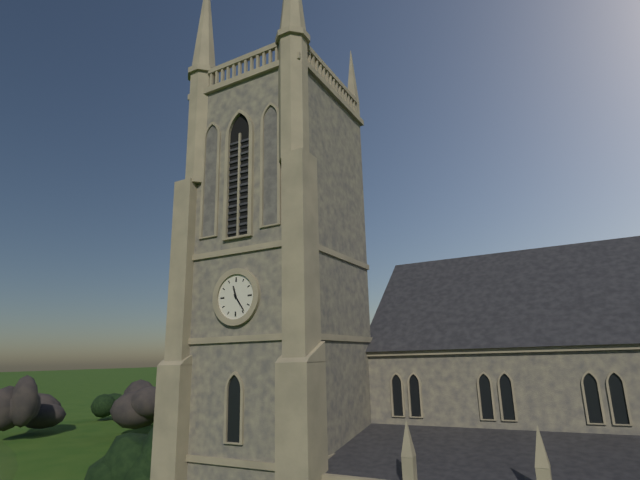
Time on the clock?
11:24
